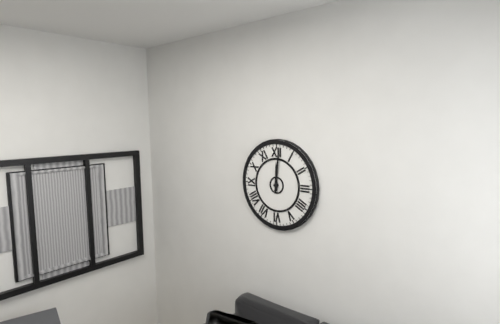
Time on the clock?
12:01
